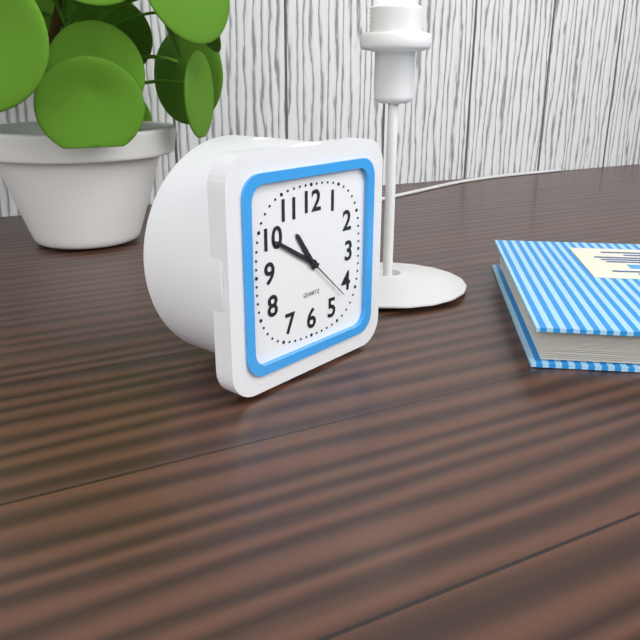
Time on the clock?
10:50:22
